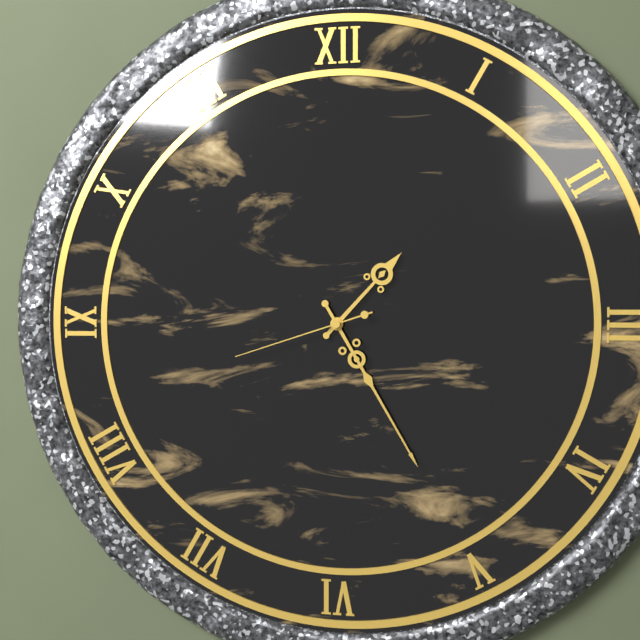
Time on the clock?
1:25:42
